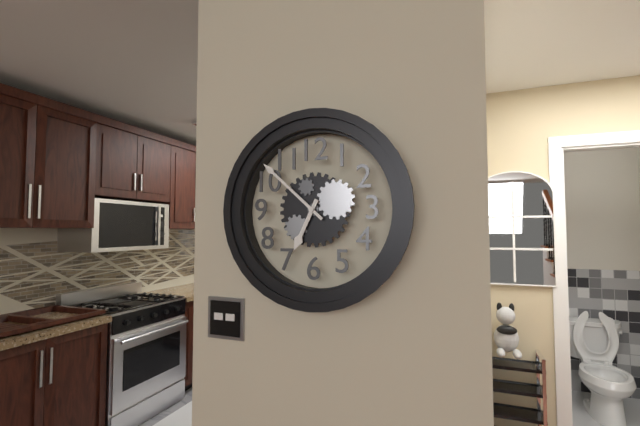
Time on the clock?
6:52
